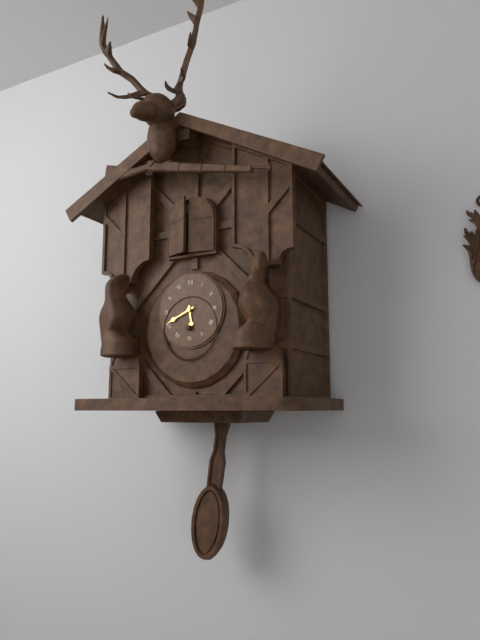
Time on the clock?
5:41
